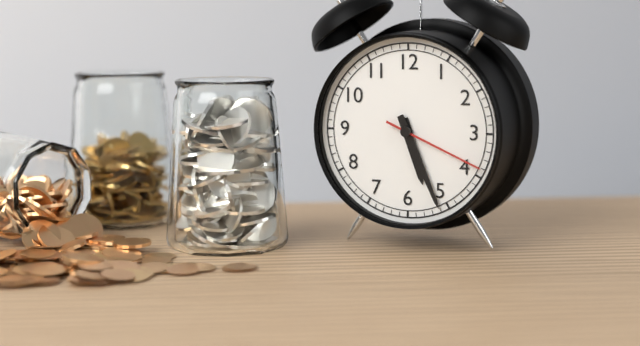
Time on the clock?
5:26:19
